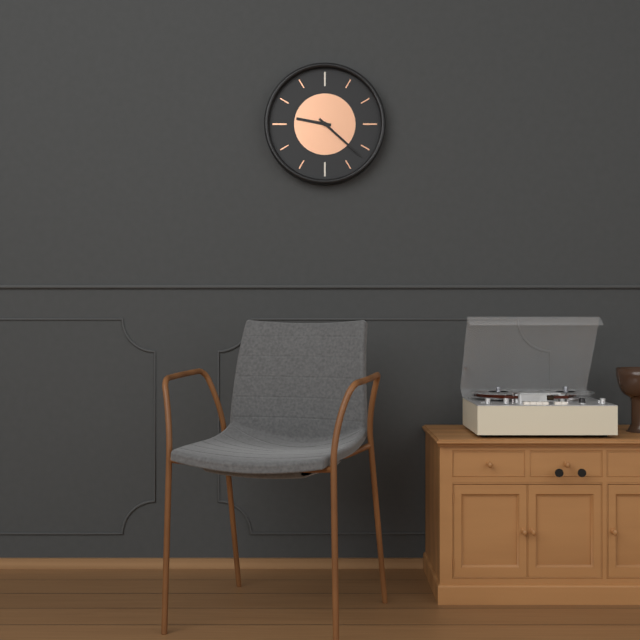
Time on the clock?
9:22
